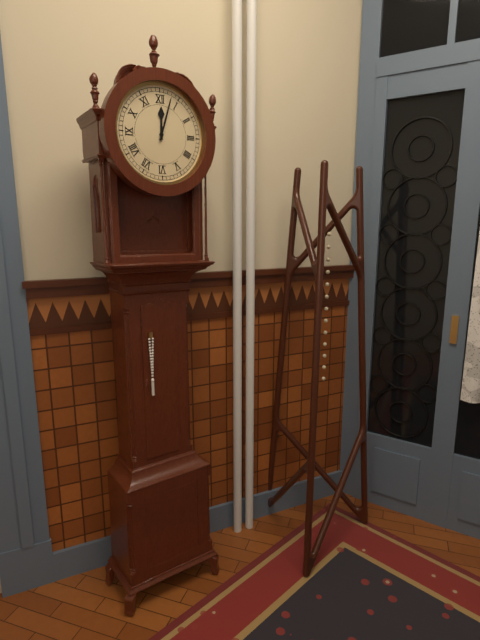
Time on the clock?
12:03
